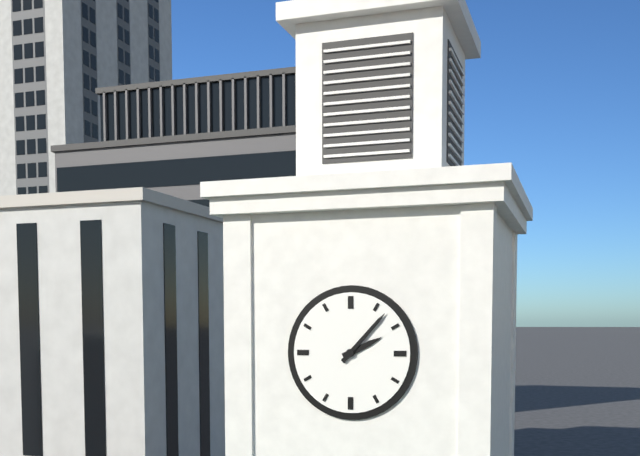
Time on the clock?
2:07
